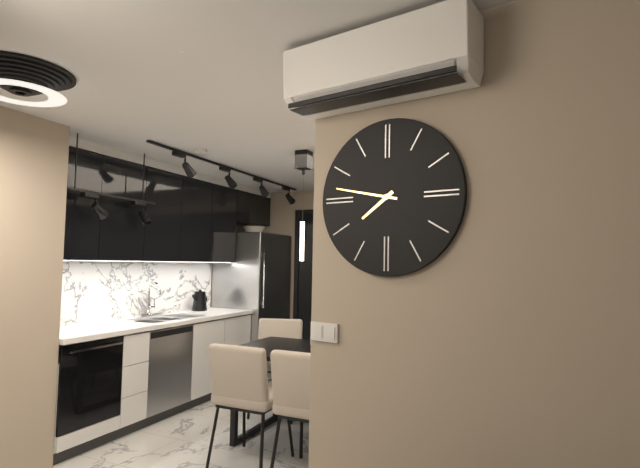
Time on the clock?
7:47
